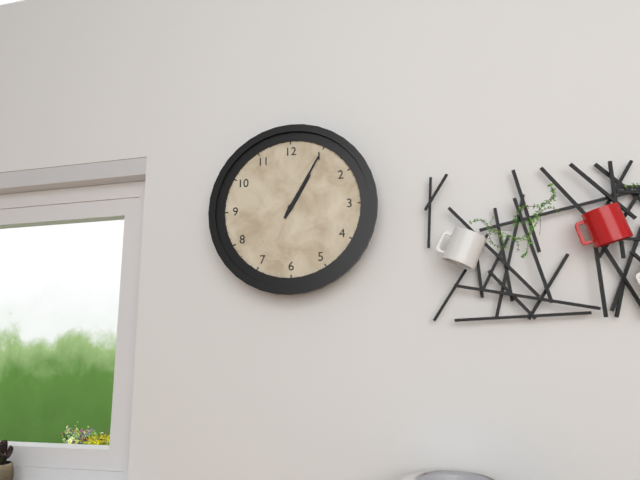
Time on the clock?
1:05
